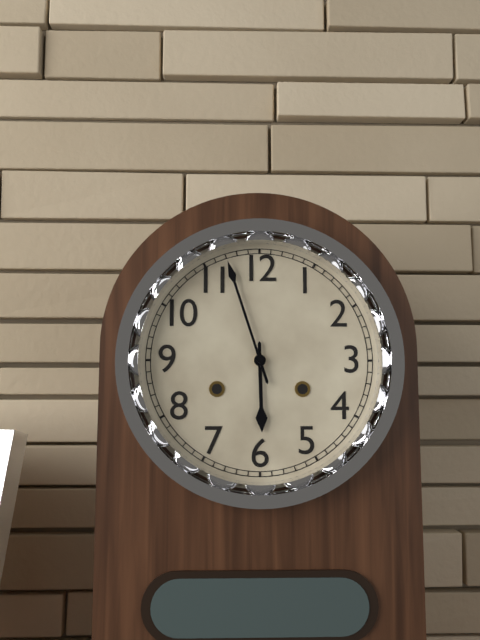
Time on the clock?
5:57
